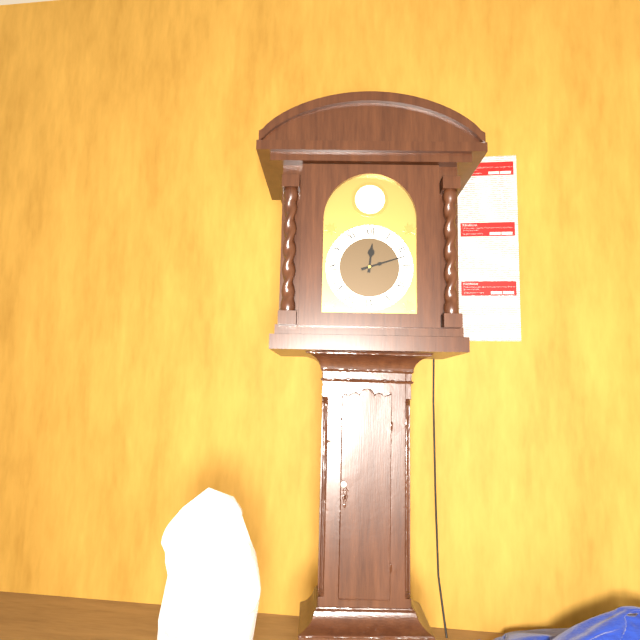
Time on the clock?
12:12
